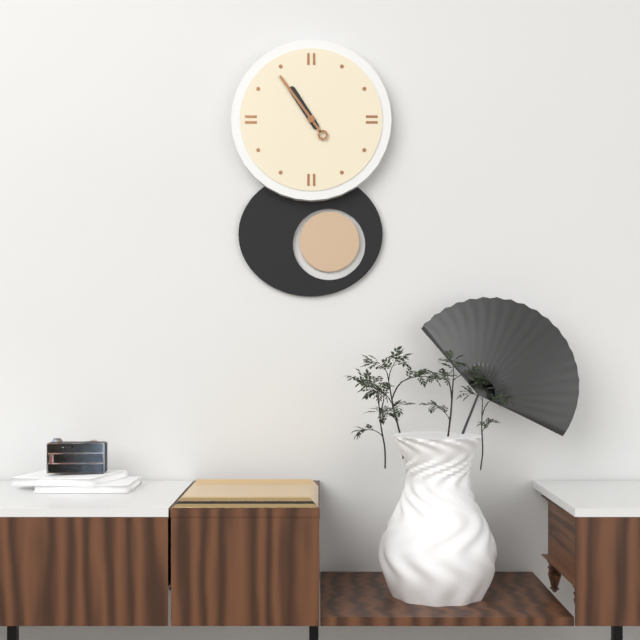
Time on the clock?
10:54
